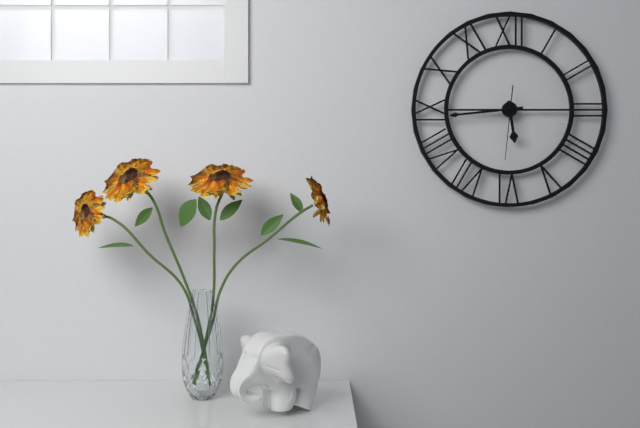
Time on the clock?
5:44:31
